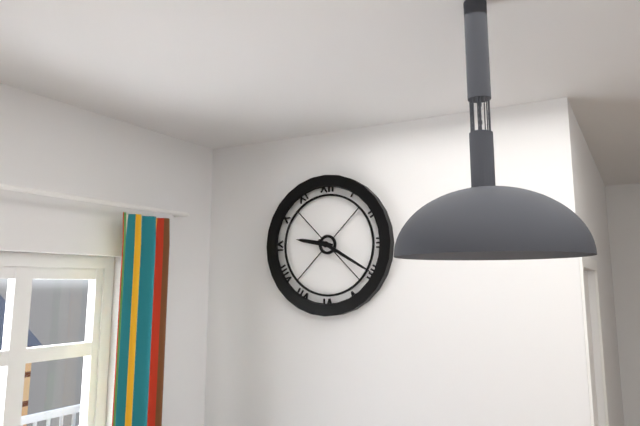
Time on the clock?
9:20
